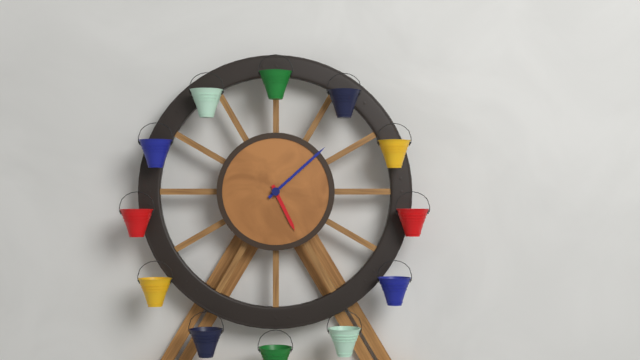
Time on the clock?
5:08
